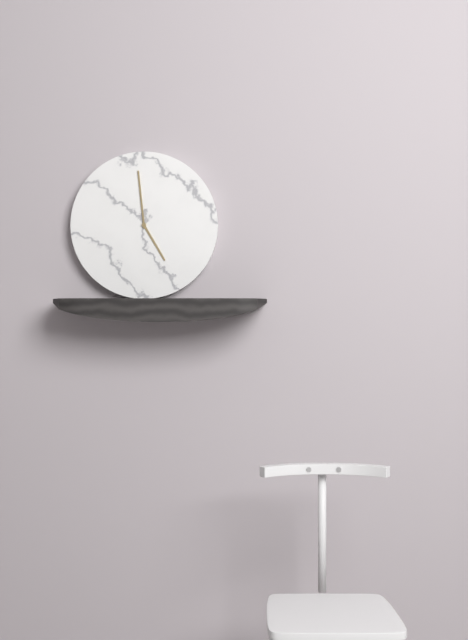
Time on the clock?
4:59
